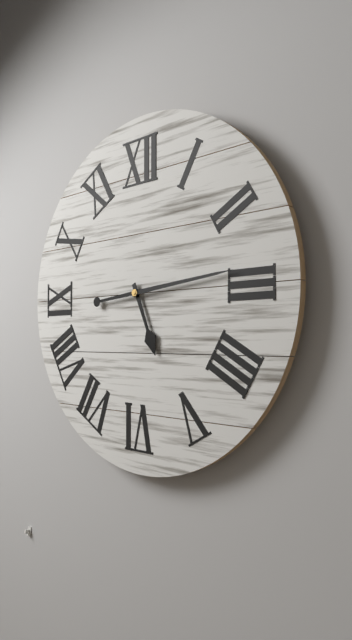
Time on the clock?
5:14
